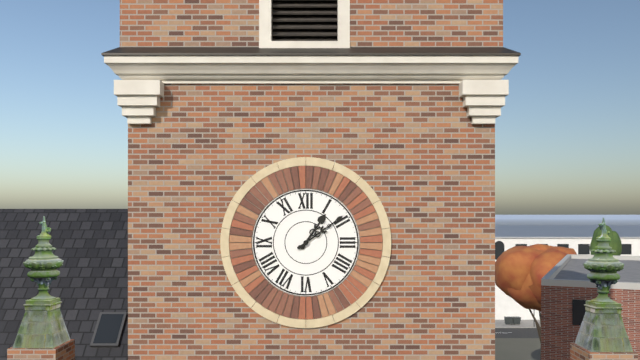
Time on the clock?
1:09
